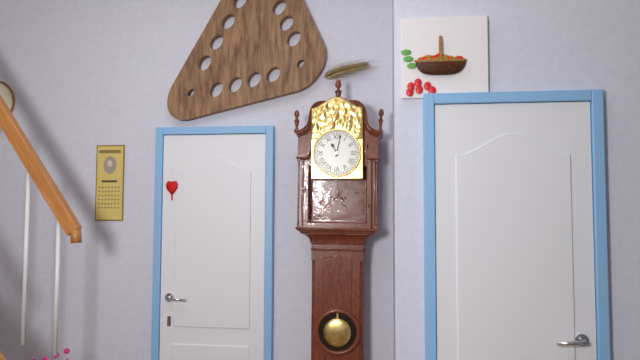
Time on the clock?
11:02
